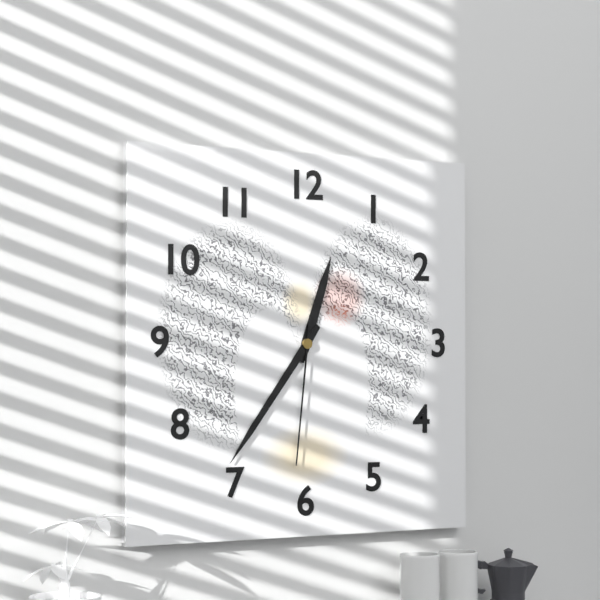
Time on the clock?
12:36:31
